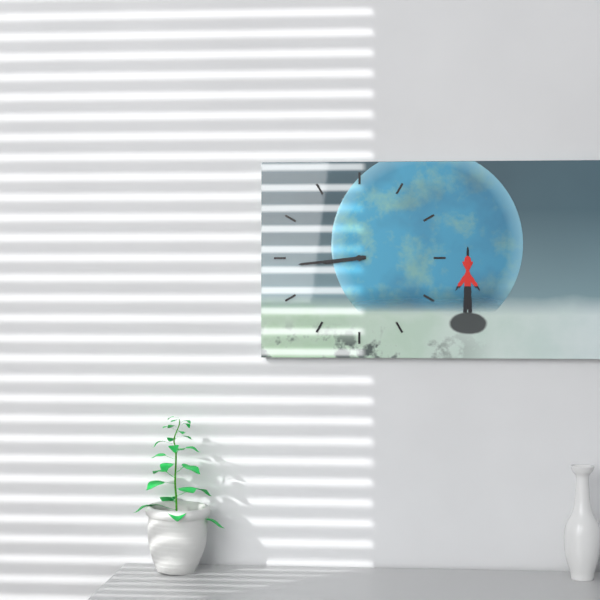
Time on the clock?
8:44
